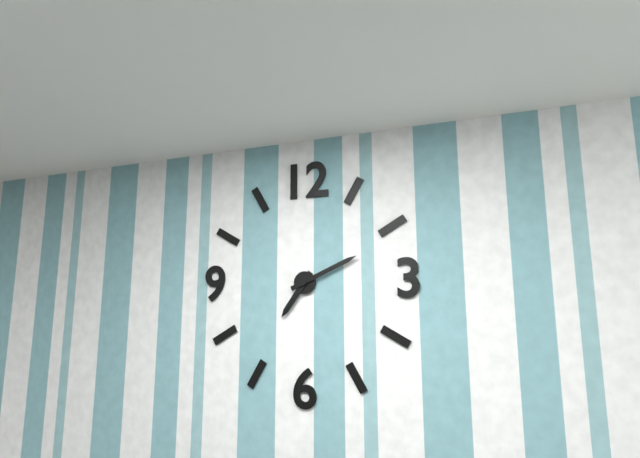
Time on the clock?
7:11
